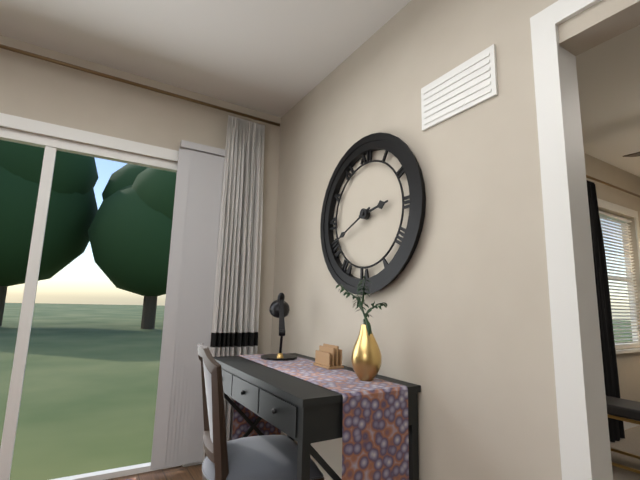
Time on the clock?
2:41
